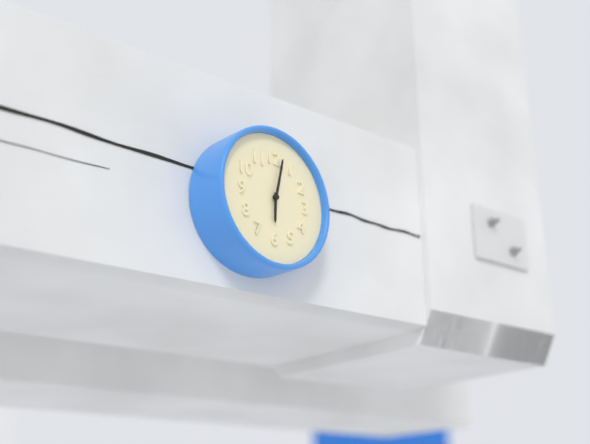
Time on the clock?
6:02
